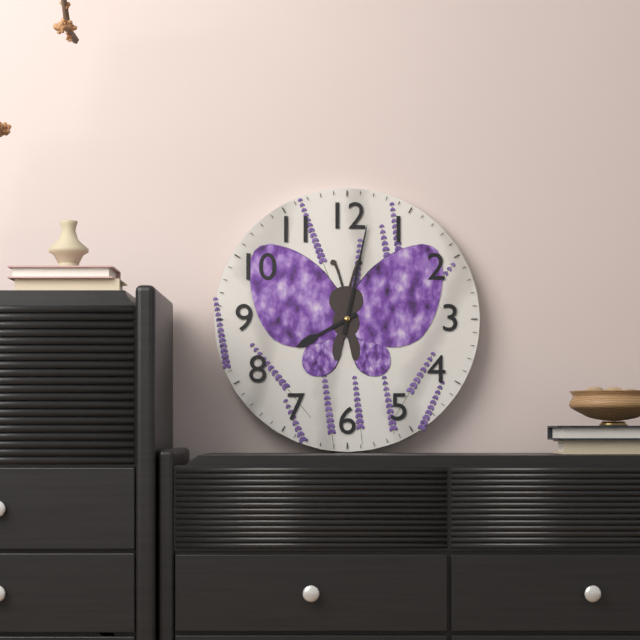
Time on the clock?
8:02
